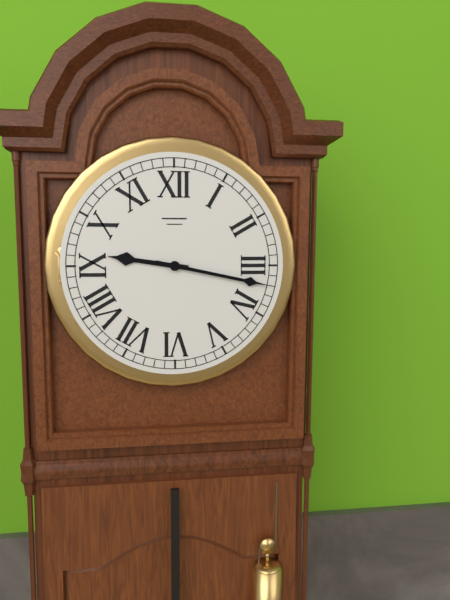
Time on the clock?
9:17
